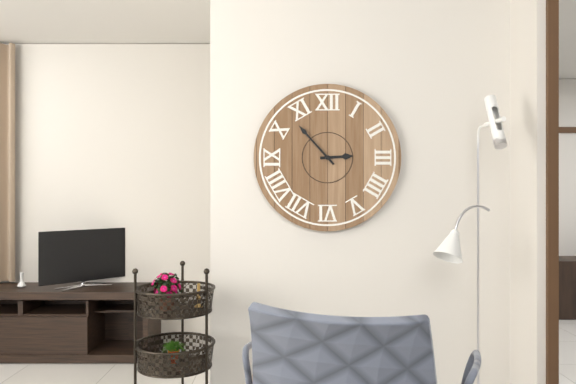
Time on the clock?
2:53
